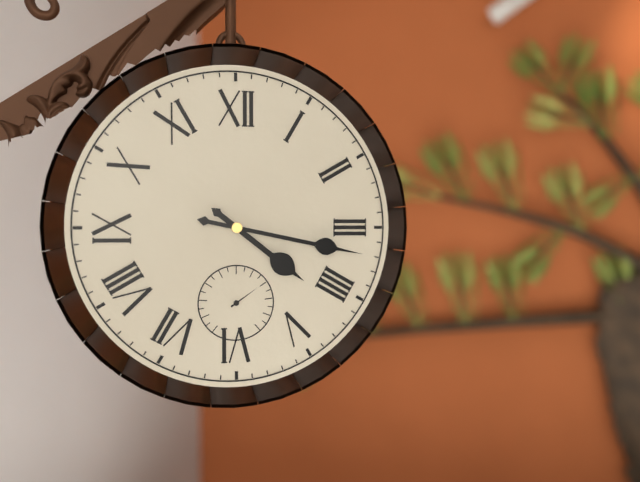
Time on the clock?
4:17
